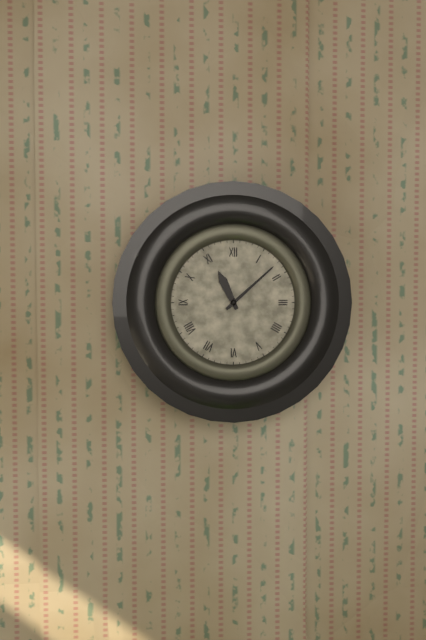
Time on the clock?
11:08
